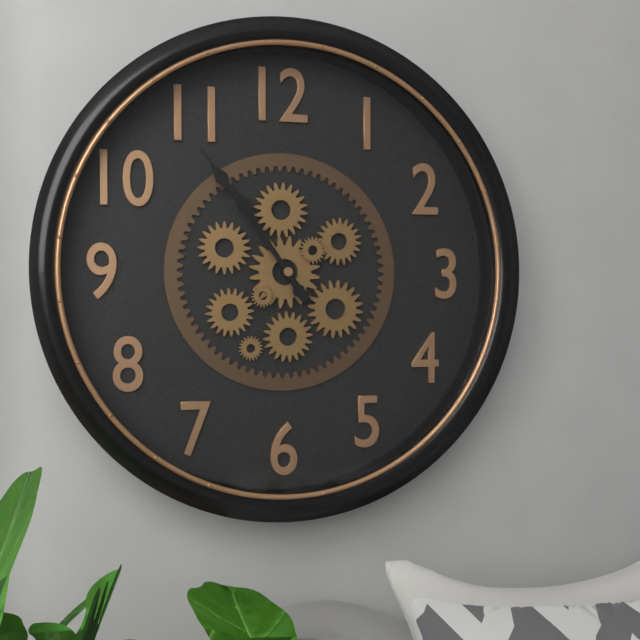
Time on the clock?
10:54
